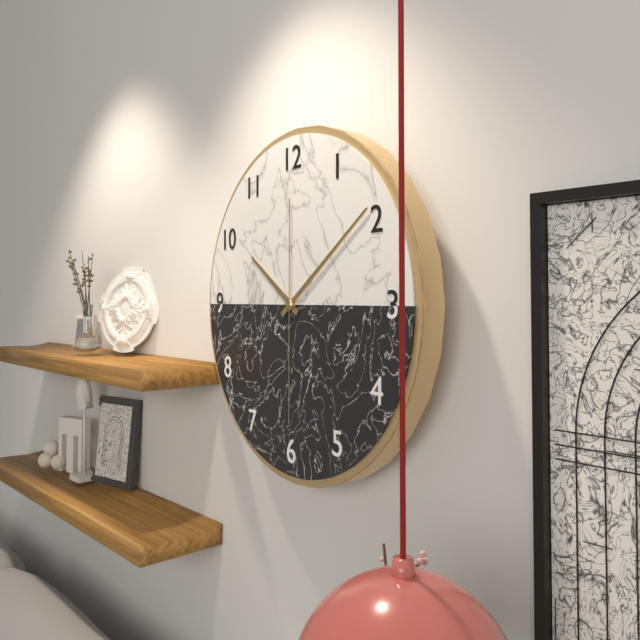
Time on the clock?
10:09:30
